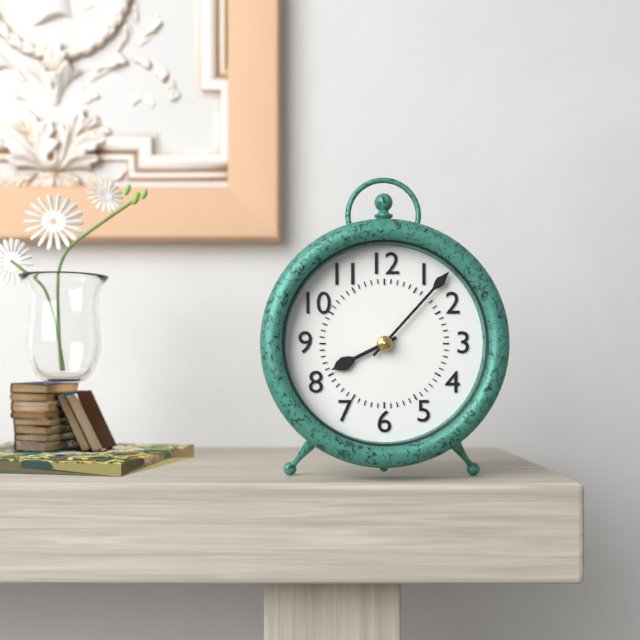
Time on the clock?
8:07
